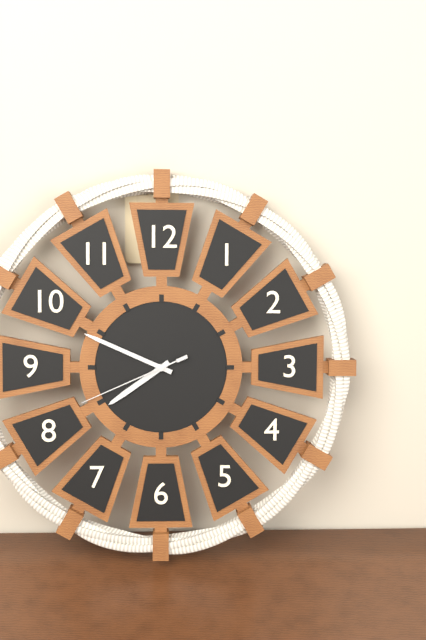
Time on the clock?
7:49:41
